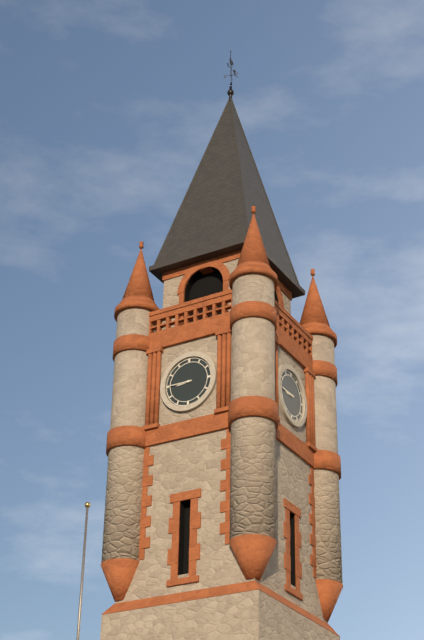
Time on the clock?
8:45
